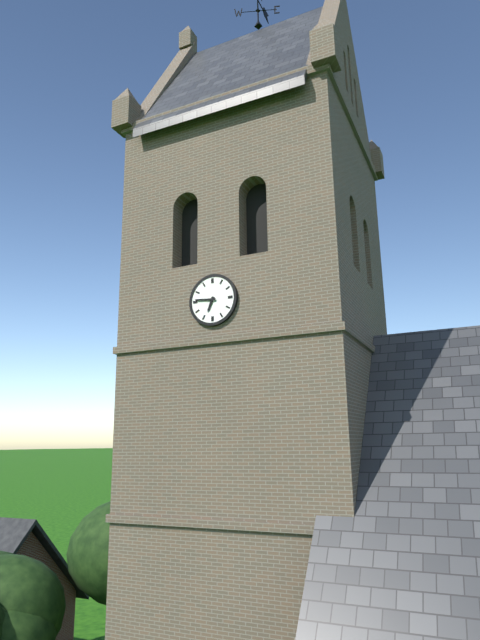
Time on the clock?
6:46
